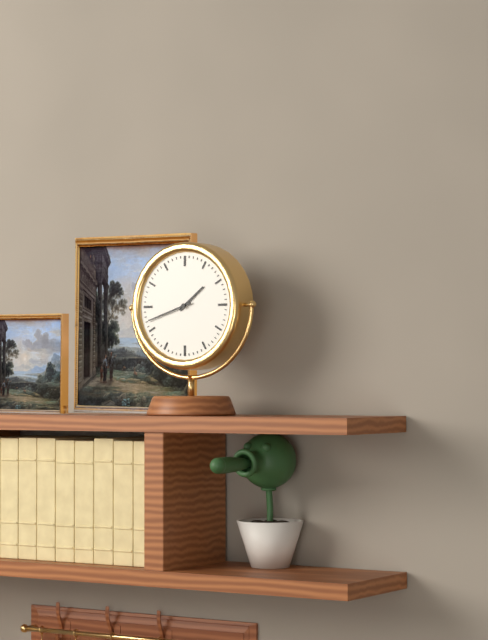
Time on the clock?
1:42
